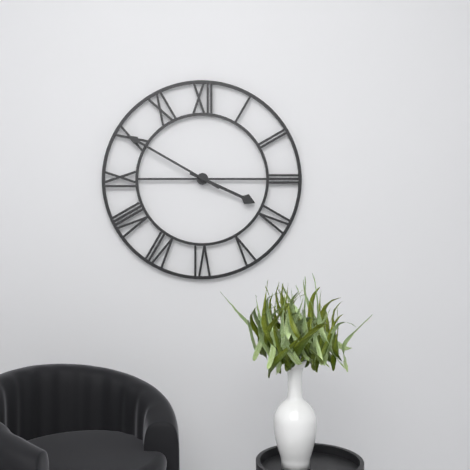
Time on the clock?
3:50
